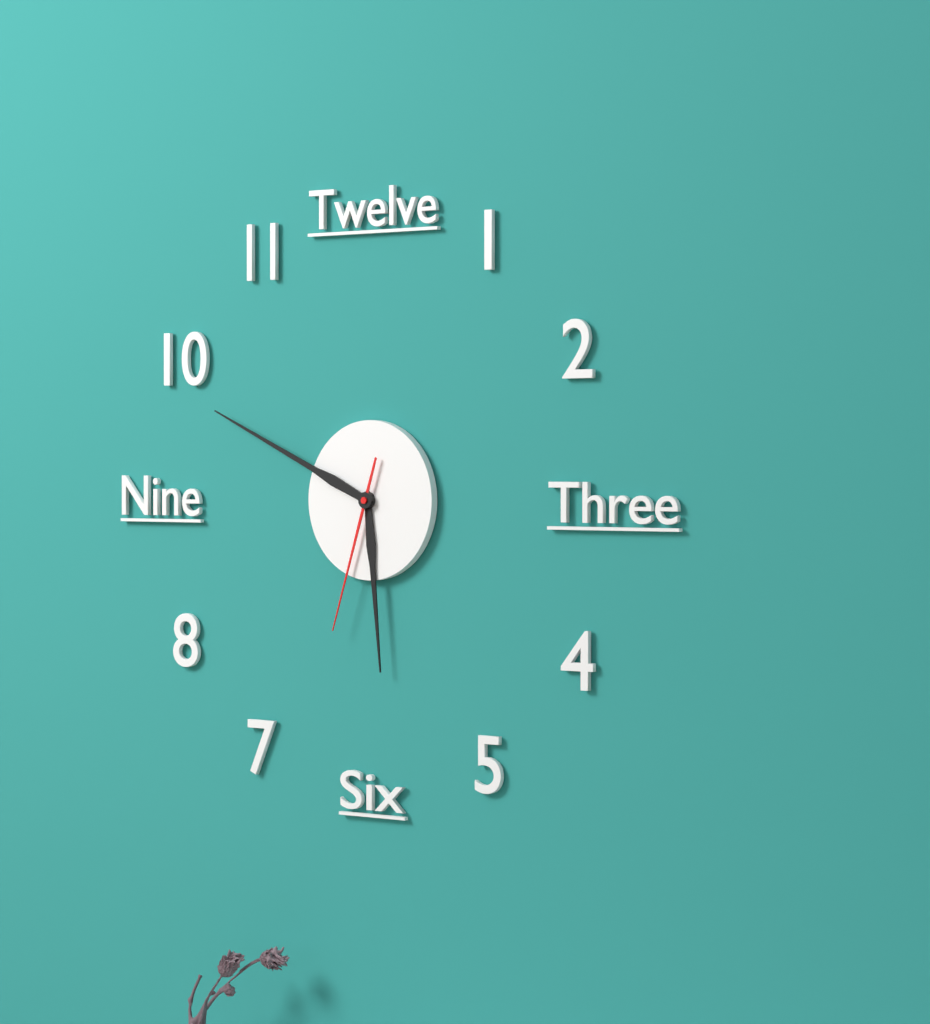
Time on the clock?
5:49:33
